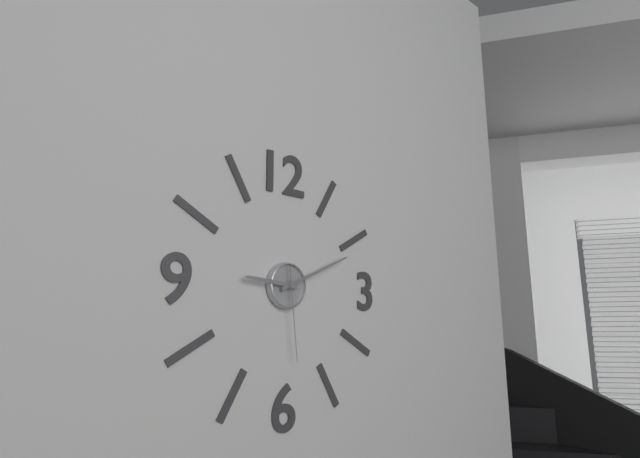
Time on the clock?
9:11:29
